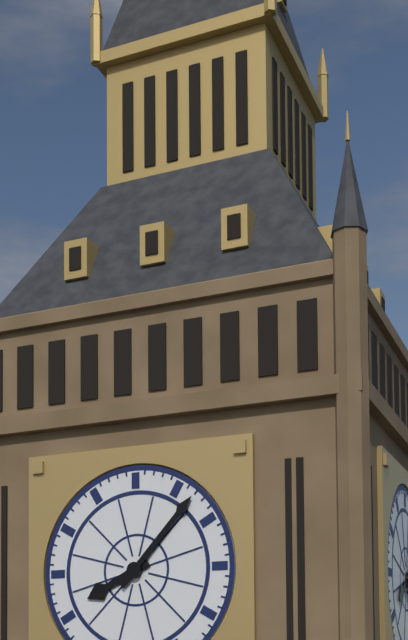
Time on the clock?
8:07
